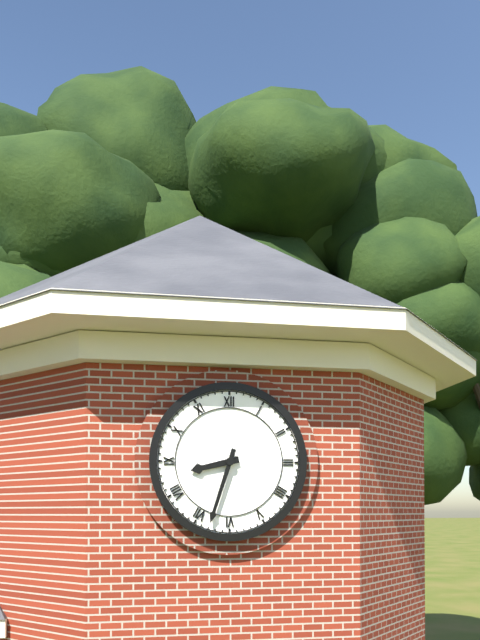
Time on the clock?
8:33
